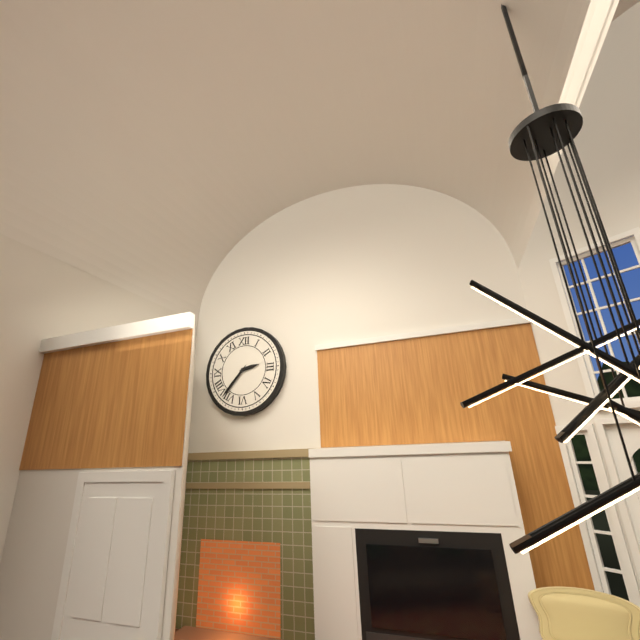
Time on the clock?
2:37
